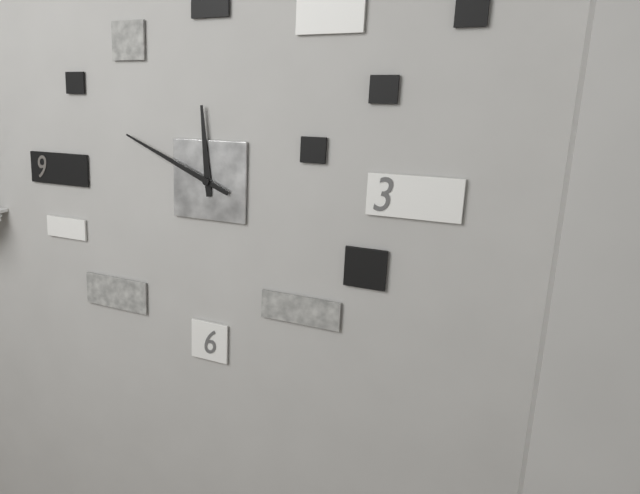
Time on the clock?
11:49
